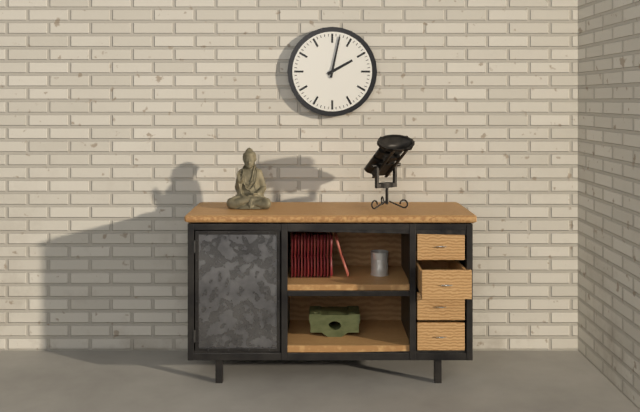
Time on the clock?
2:02
